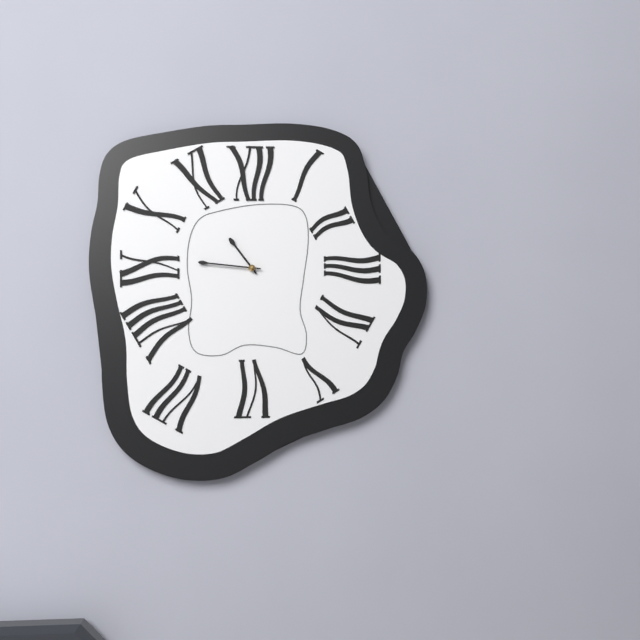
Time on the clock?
10:46
